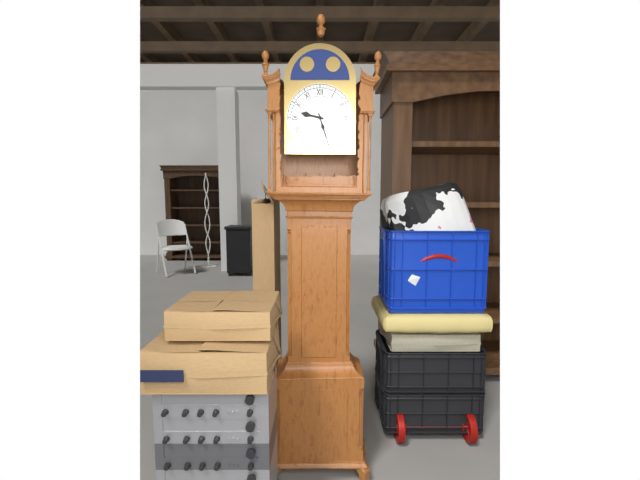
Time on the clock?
9:27
